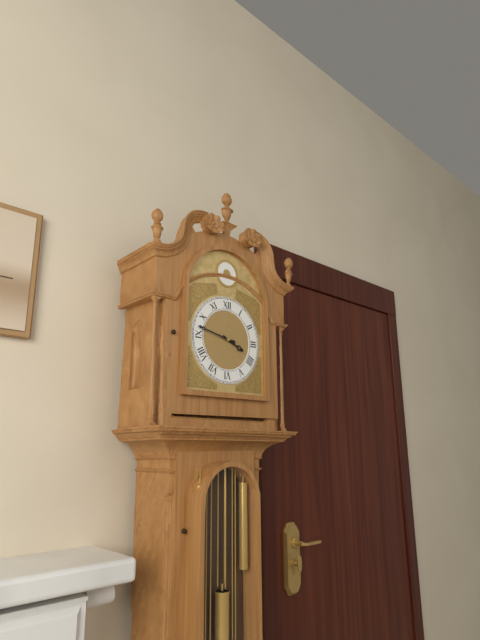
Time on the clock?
3:47
